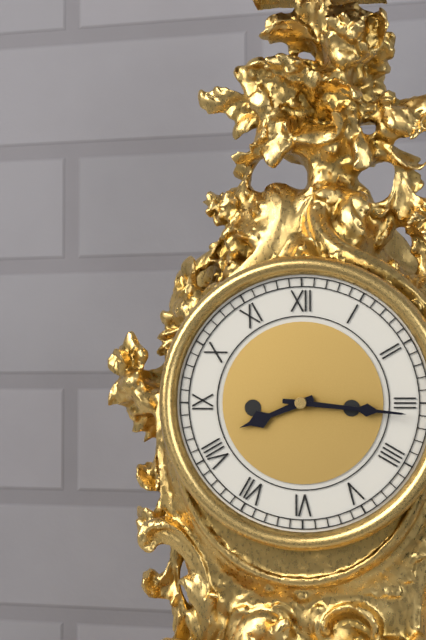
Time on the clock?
8:16
